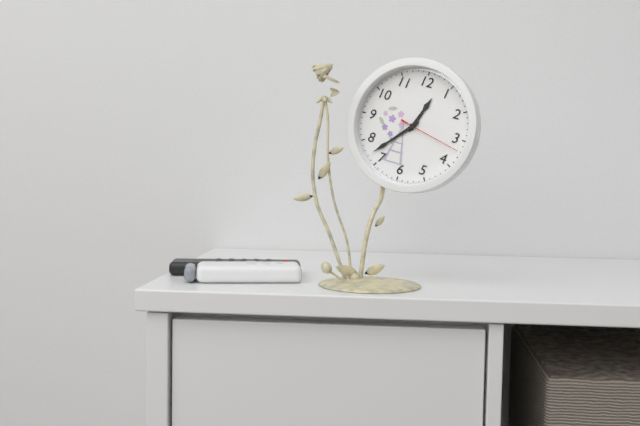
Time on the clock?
12:37:17
